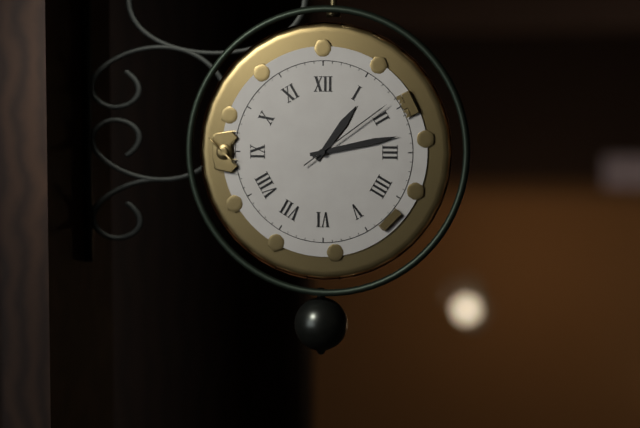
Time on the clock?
1:13:09
